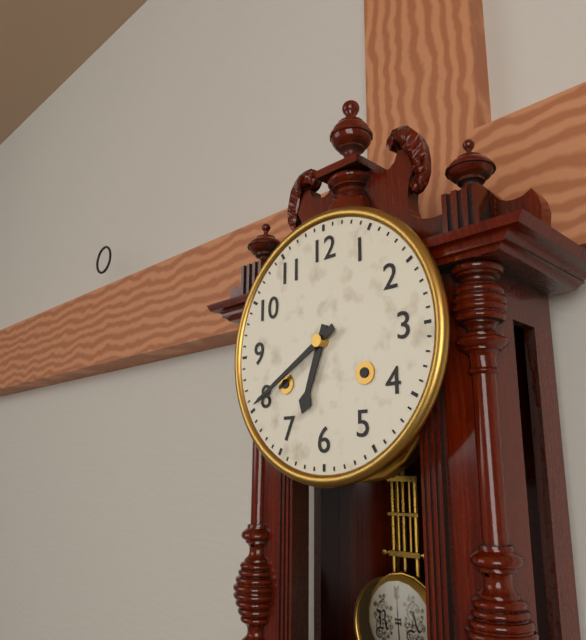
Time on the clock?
6:40
